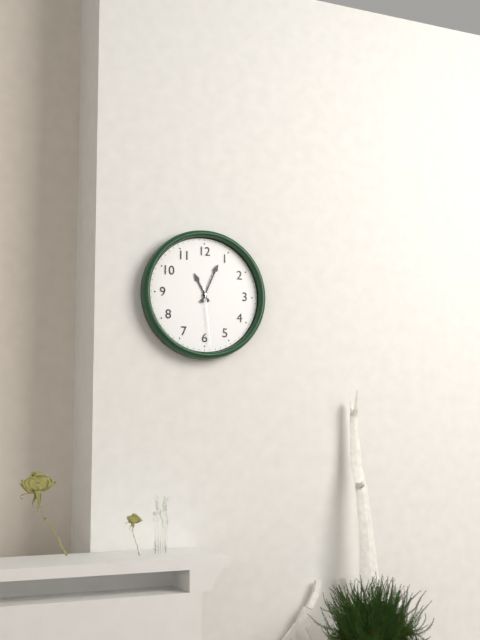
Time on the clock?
11:04:29
